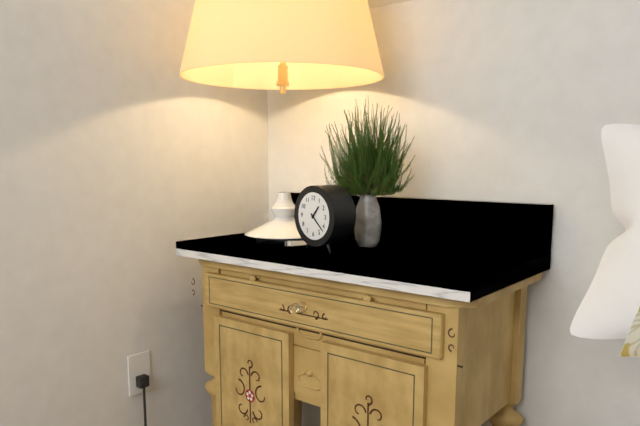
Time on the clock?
1:22
